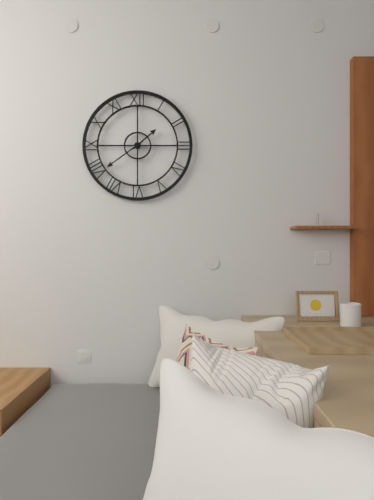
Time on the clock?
1:39
